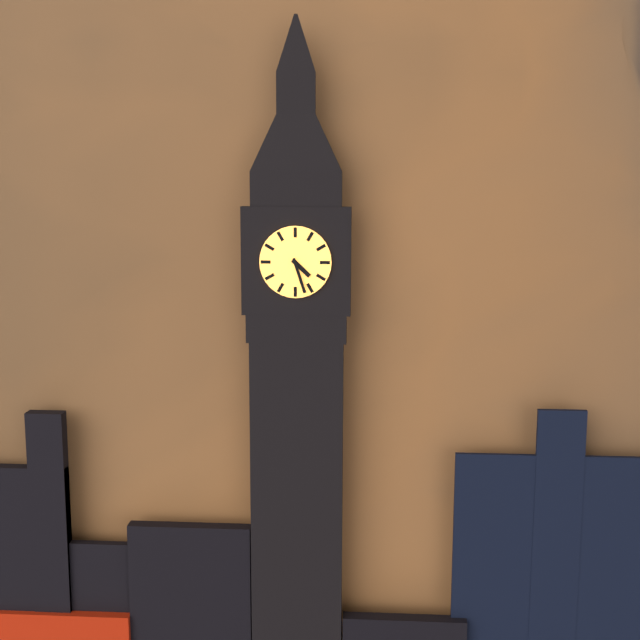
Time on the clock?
4:27
